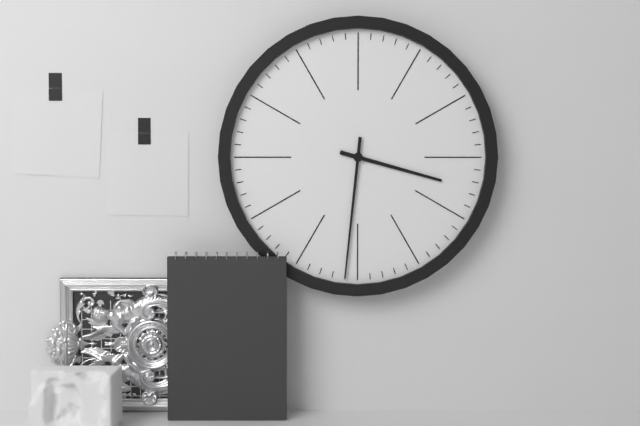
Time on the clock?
3:31
